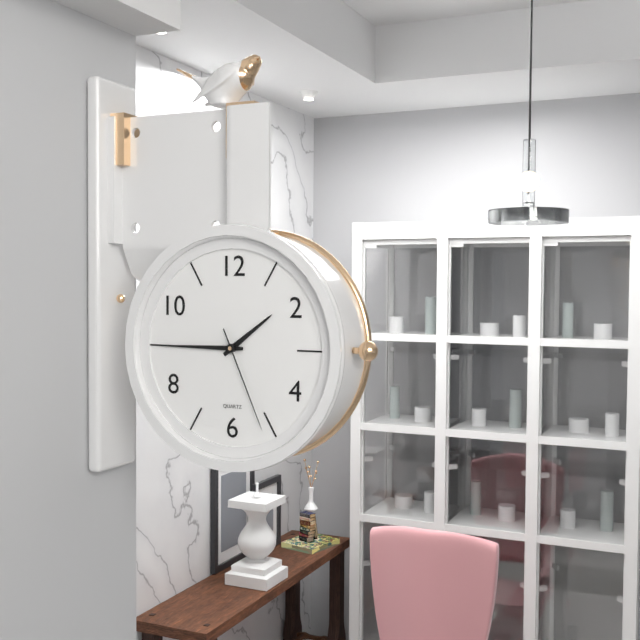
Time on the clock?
1:45:26
